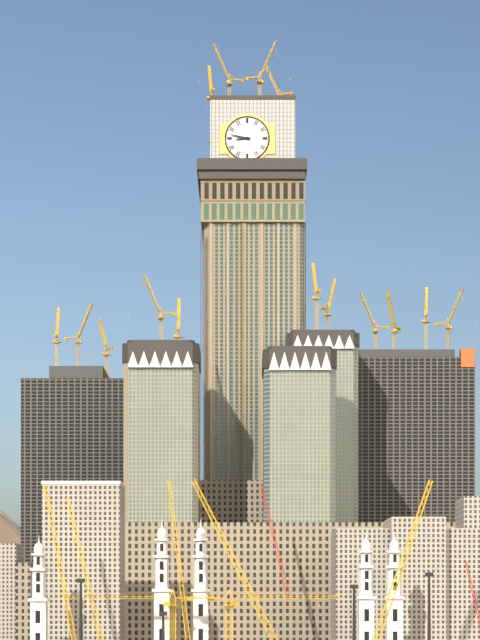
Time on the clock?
8:47
